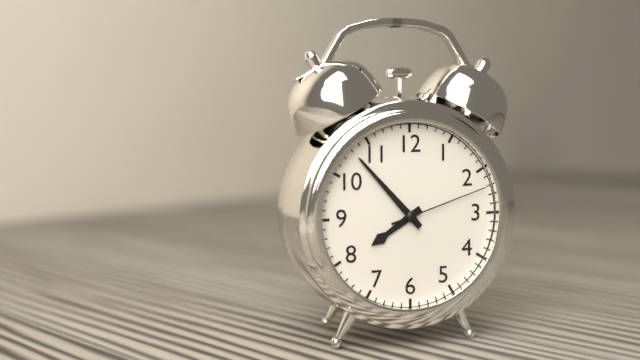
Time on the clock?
7:53:12
